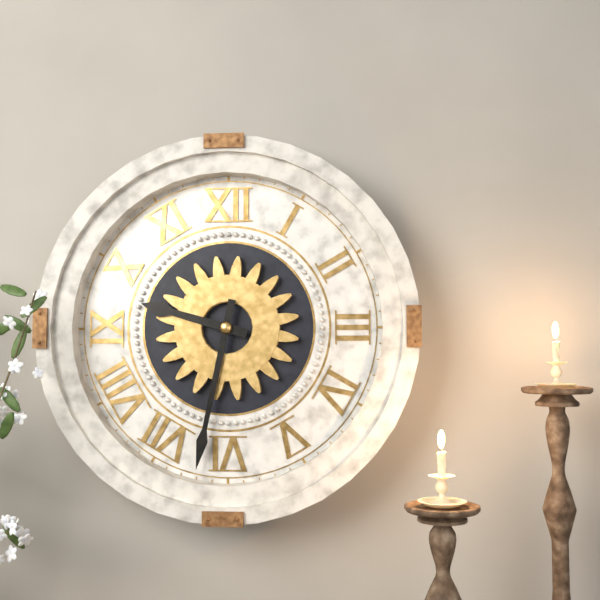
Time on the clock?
9:32
